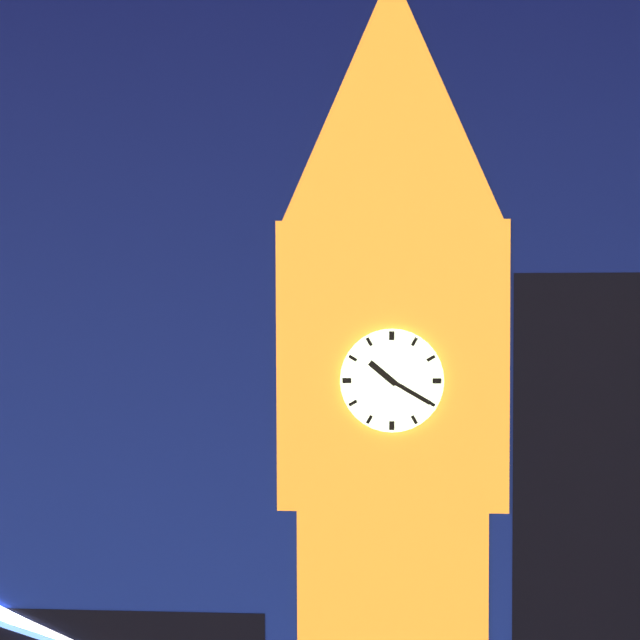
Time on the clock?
10:20
